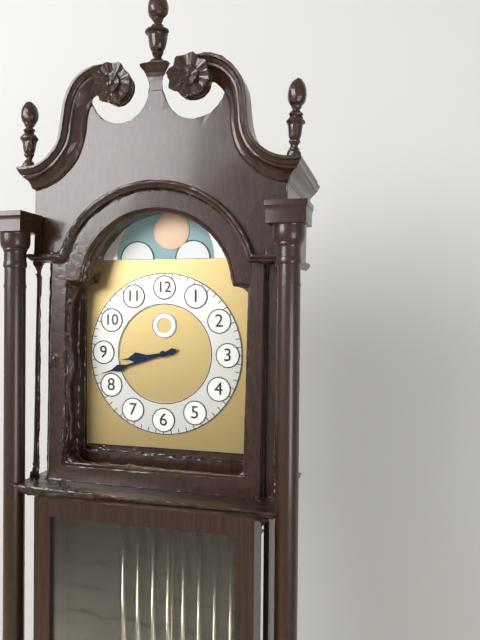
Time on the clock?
8:42
